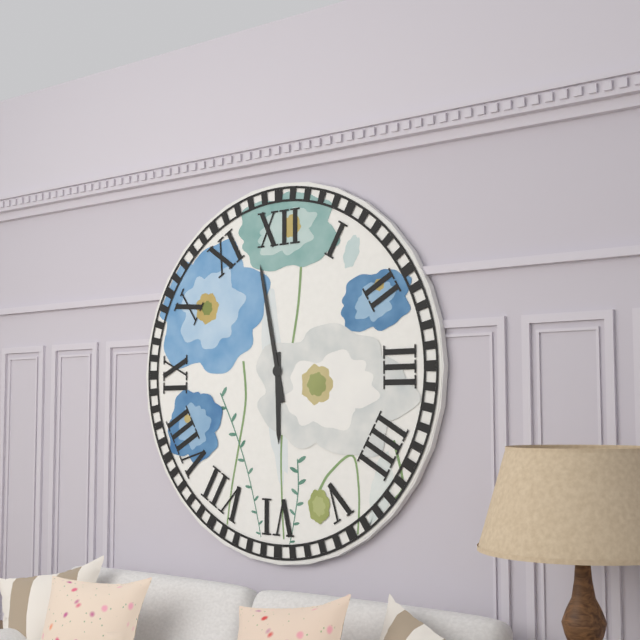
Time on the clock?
5:58
